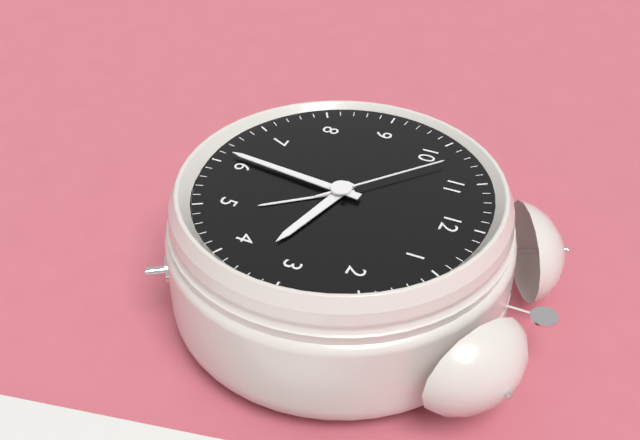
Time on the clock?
3:31:52
